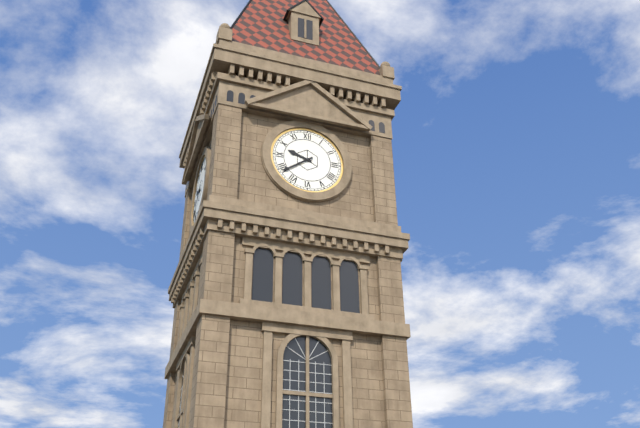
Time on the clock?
9:39
